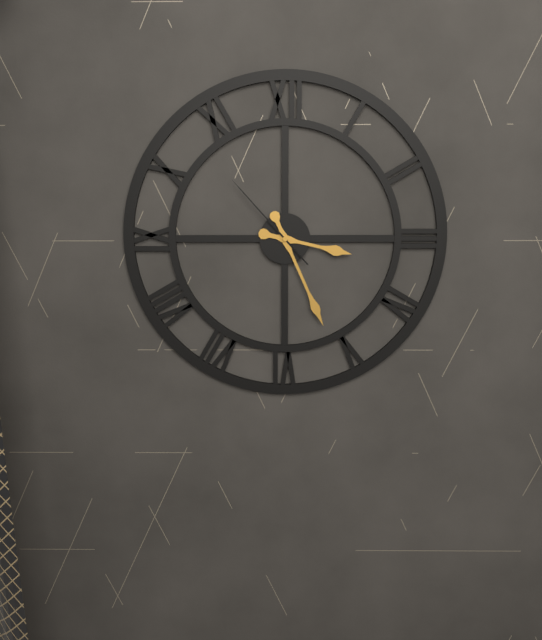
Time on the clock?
3:26:53
